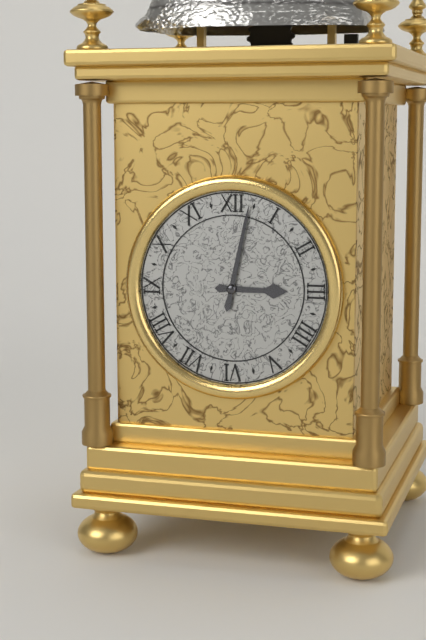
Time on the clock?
3:02
